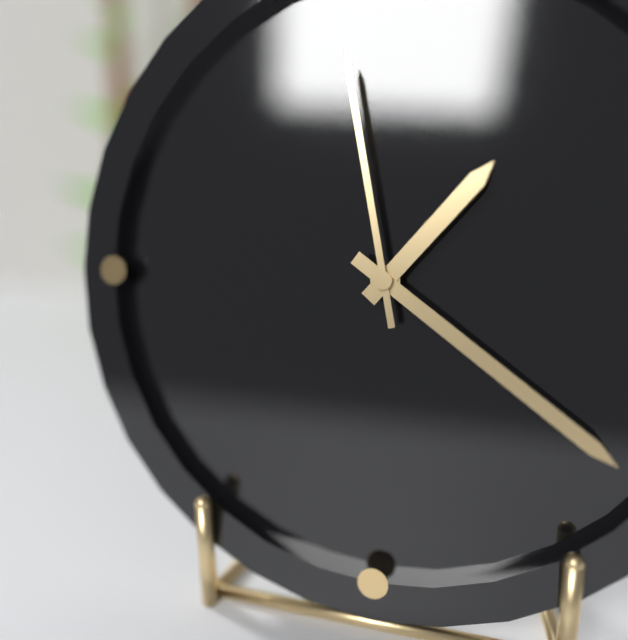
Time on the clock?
1:21:58
